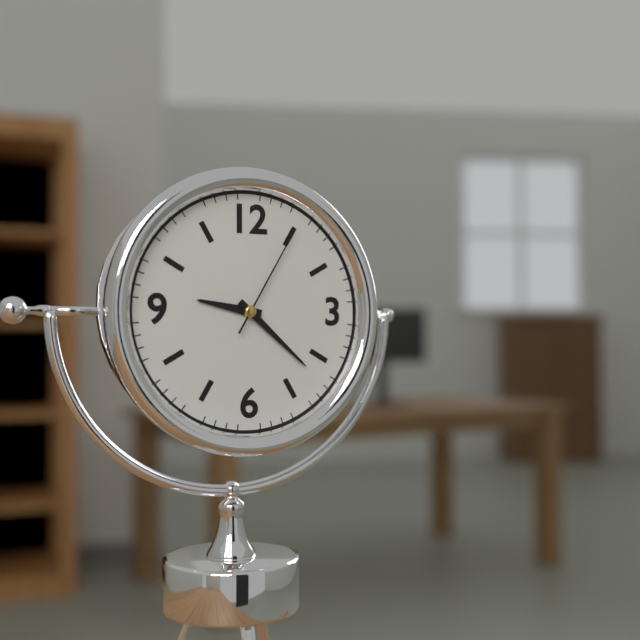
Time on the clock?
9:22:05
